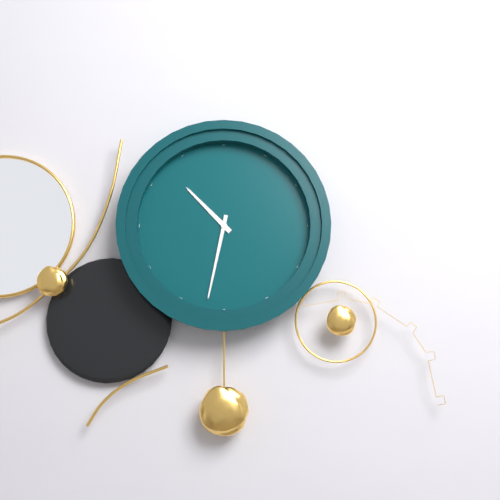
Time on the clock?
10:32
